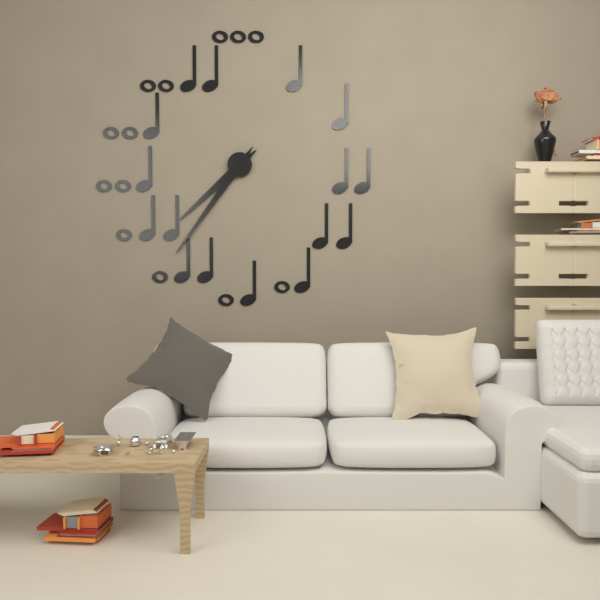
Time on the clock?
7:36
